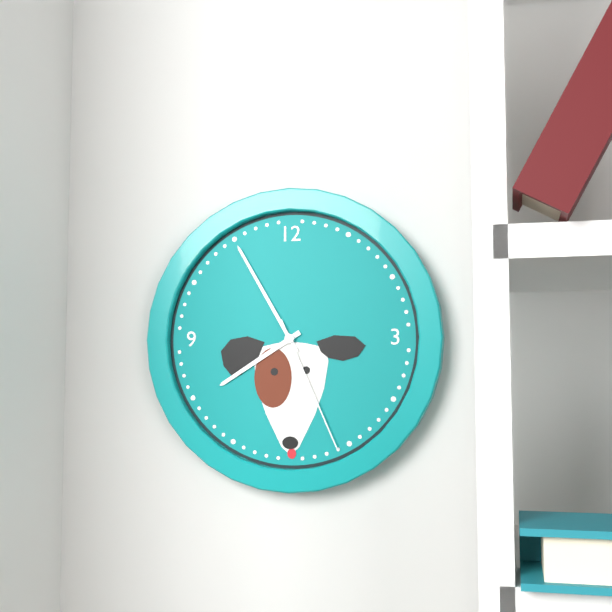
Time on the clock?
7:55:26
